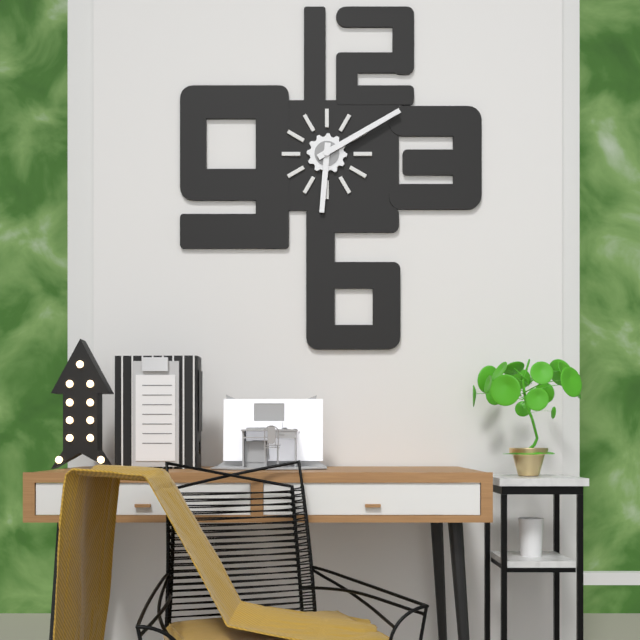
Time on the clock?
6:10
